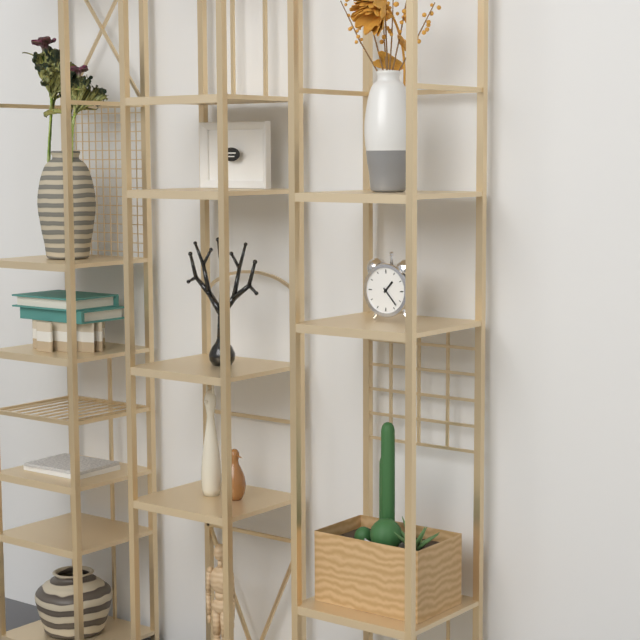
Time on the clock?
1:23
